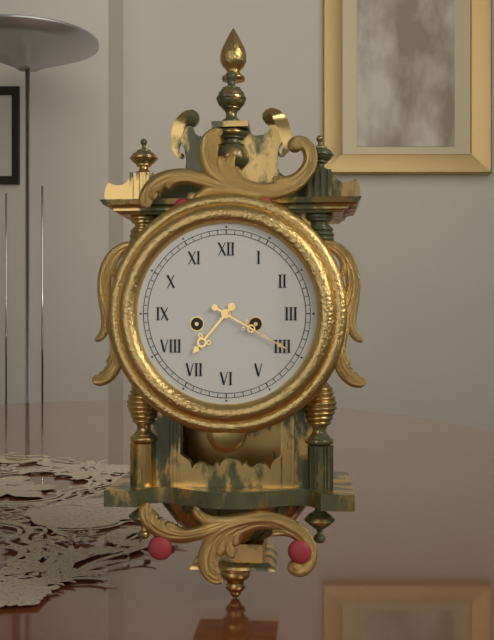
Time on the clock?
7:20
